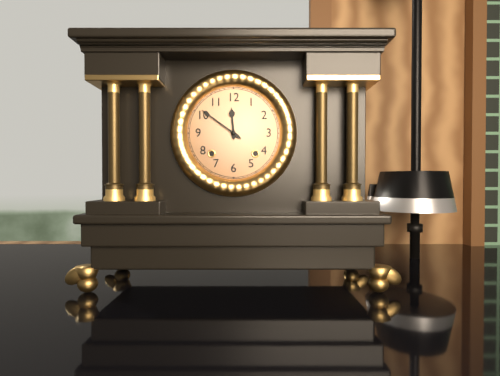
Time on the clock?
11:51
